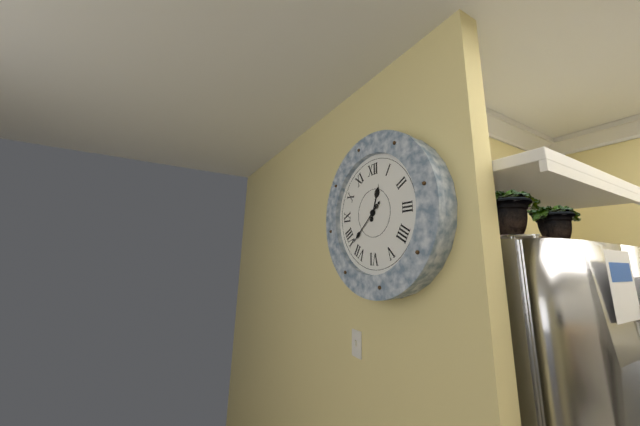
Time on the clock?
12:38
